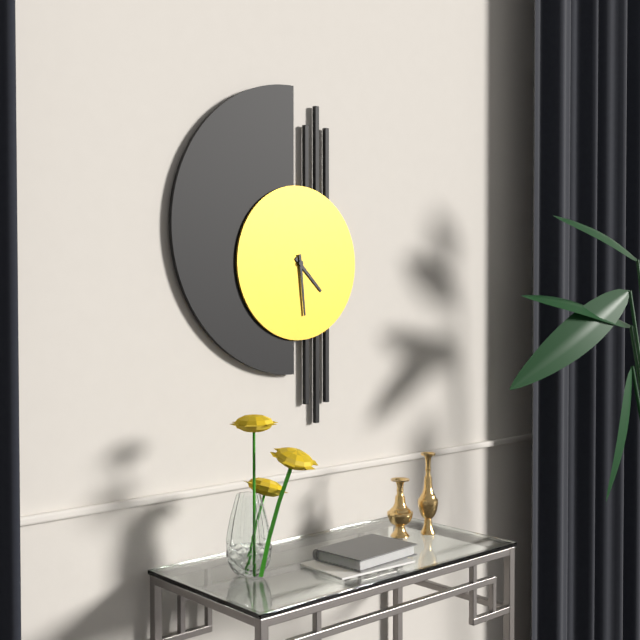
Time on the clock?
4:29
